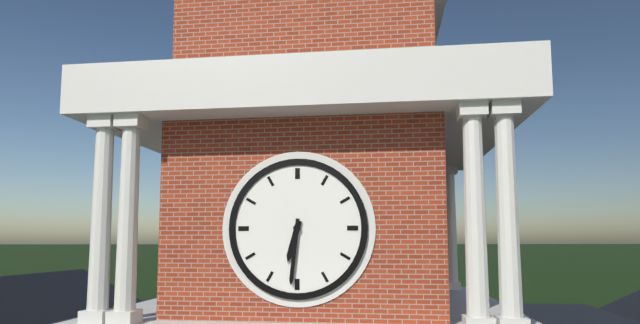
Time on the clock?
6:31
